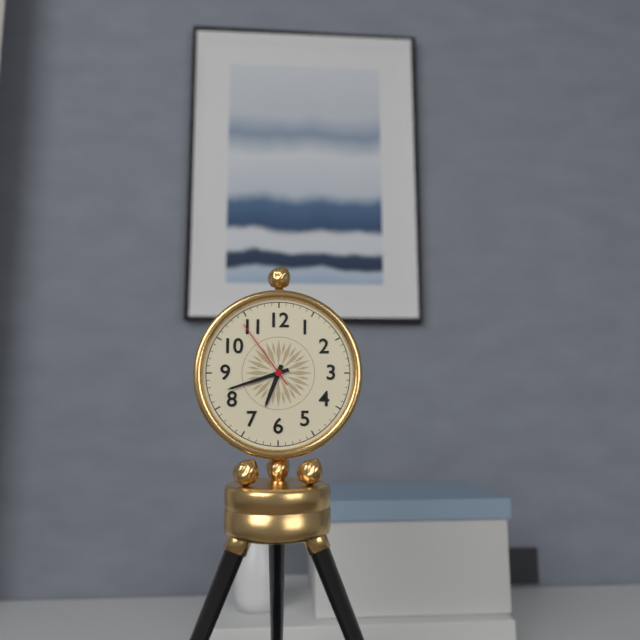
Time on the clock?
6:42:54
